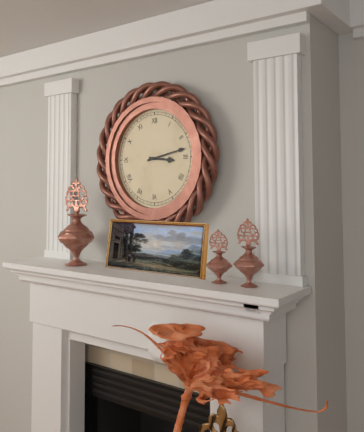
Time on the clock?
3:13
